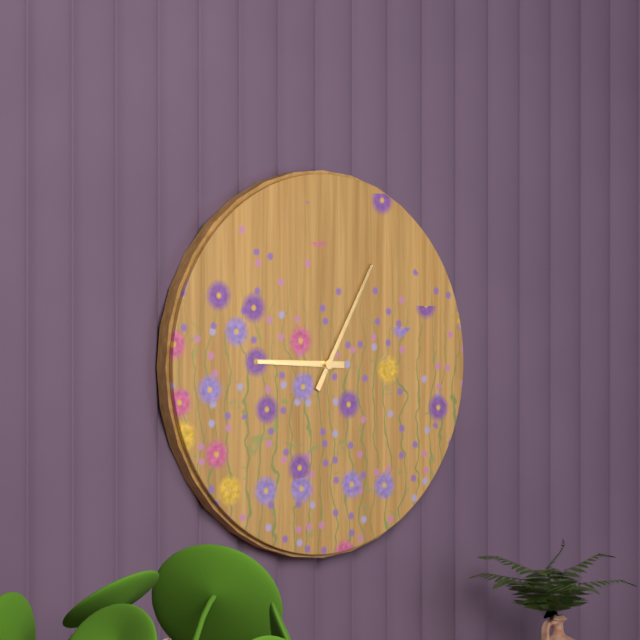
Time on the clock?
9:05
